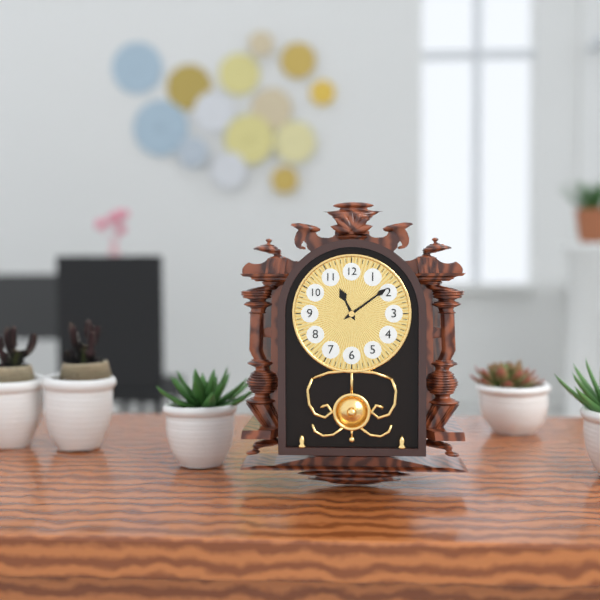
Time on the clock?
11:09
